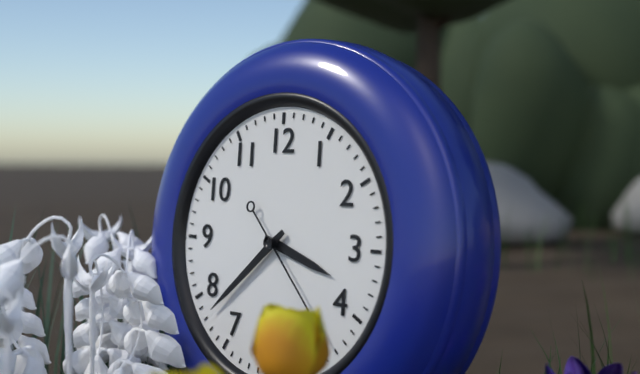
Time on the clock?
3:38
